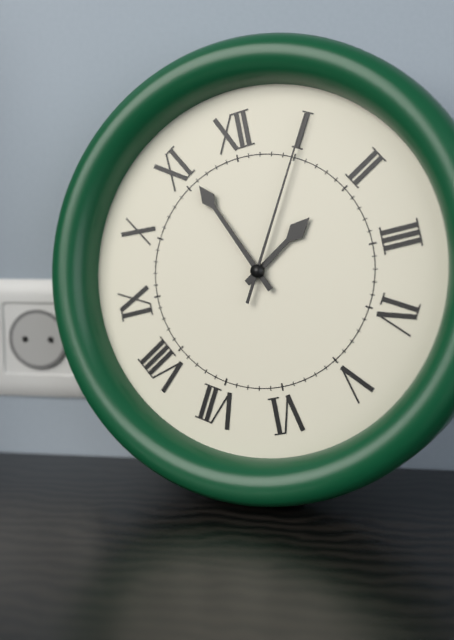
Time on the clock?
1:56:05
